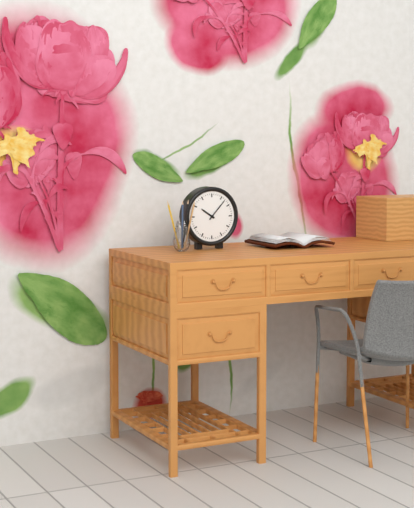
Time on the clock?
10:07
